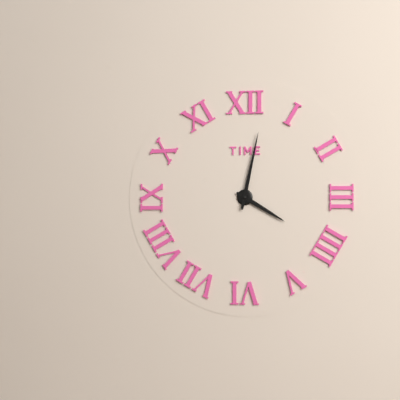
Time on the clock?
4:02
